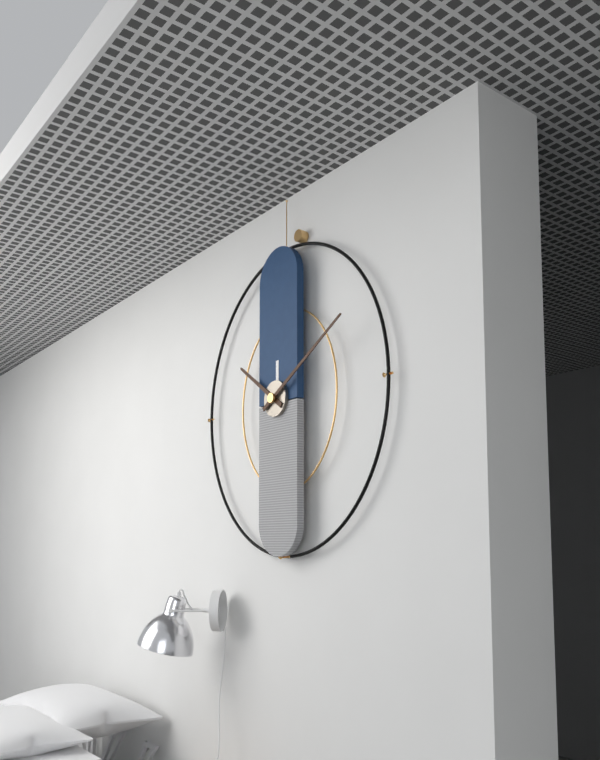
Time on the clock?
10:10
